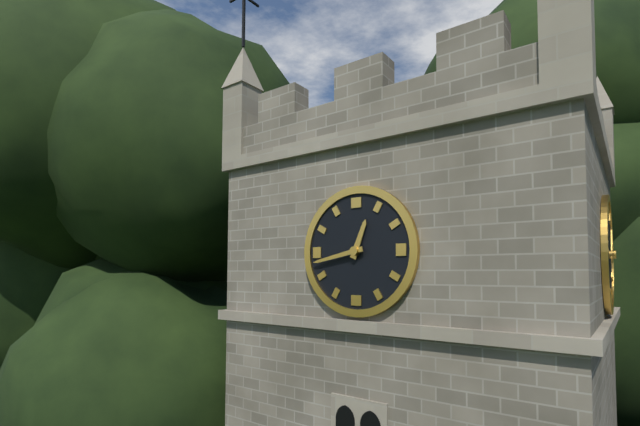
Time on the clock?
12:43
